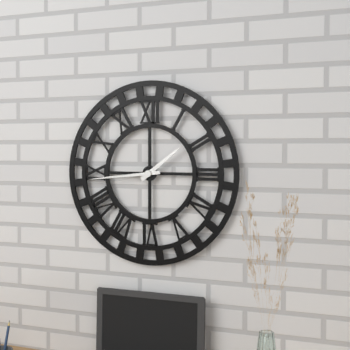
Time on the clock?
1:44
